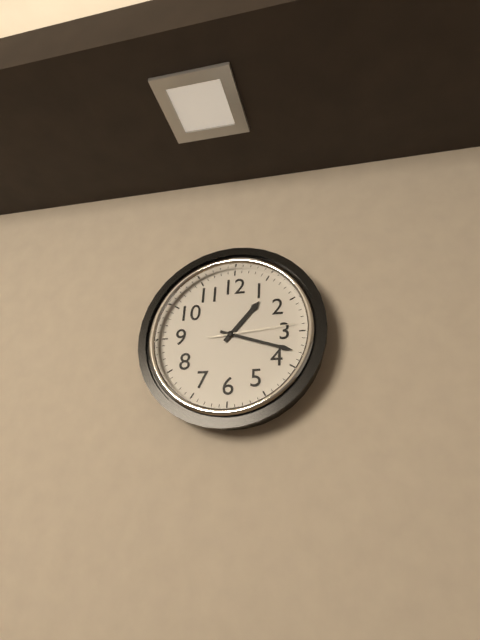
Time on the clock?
1:18:14
